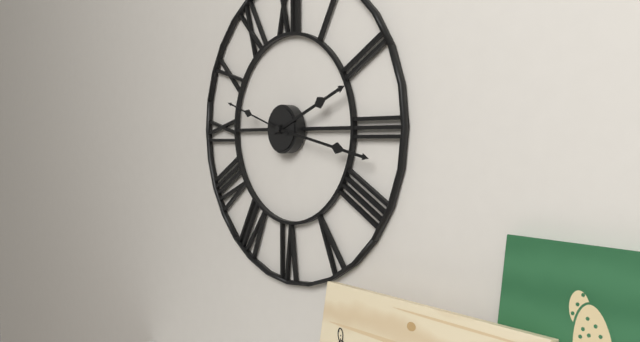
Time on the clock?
2:17:48
